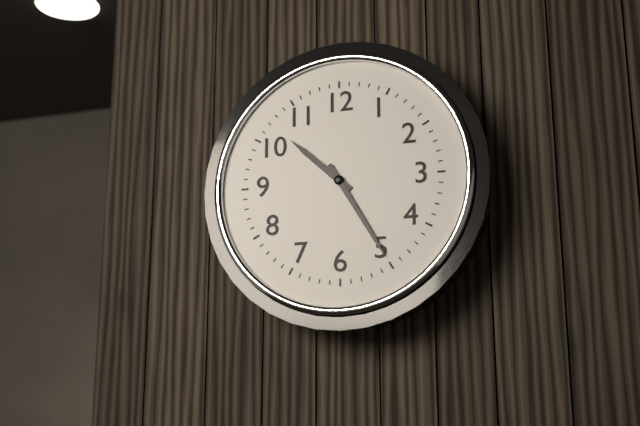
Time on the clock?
10:25
